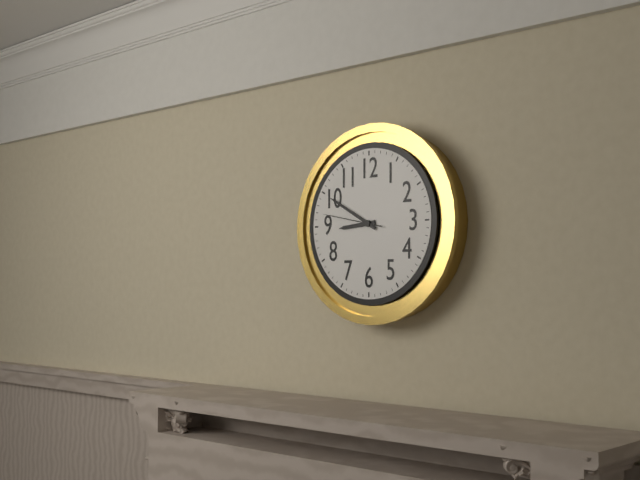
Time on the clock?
8:50:47
